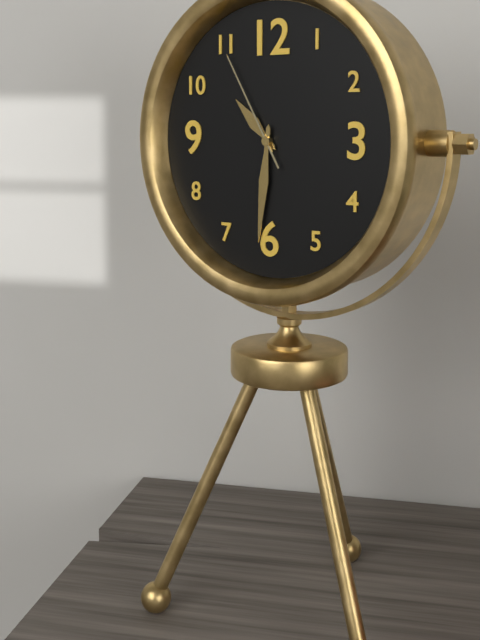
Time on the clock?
10:31:55
